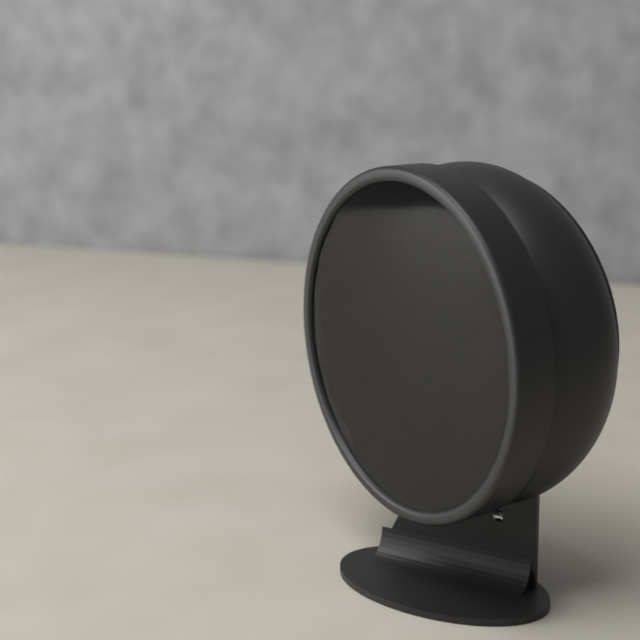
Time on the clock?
7:18:57
